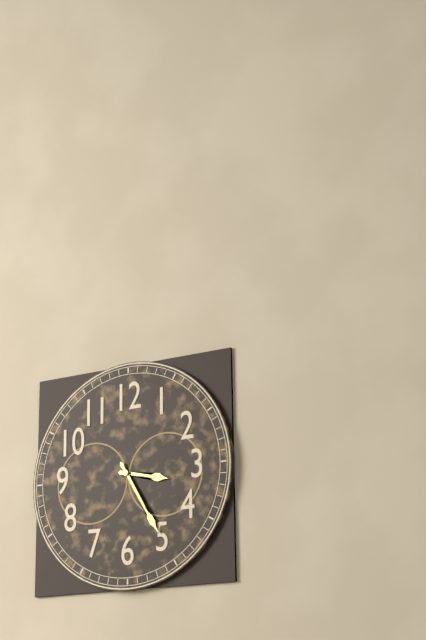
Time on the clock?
3:25
